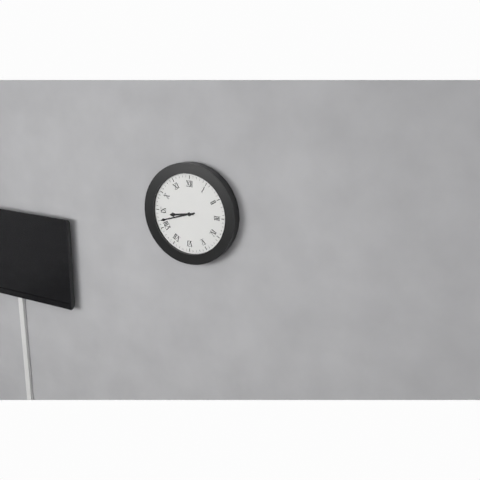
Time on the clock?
8:42
